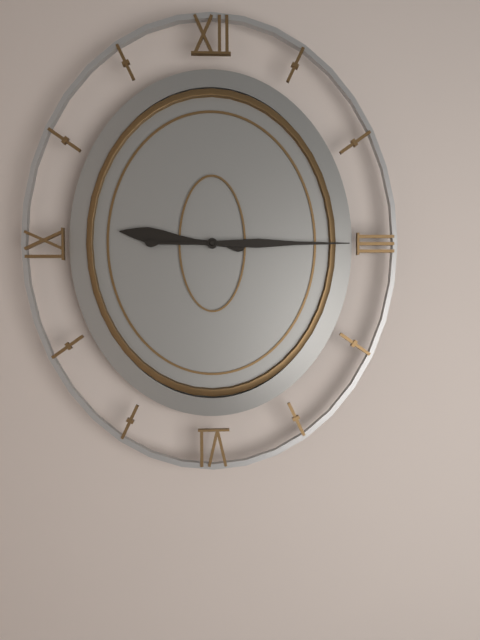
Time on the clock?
9:15
